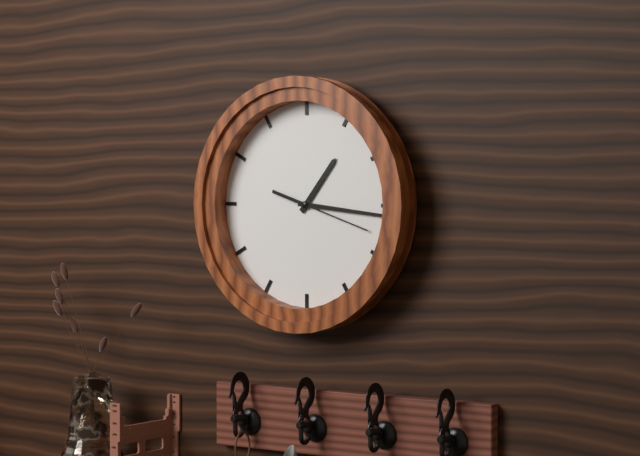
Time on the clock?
1:16:18
